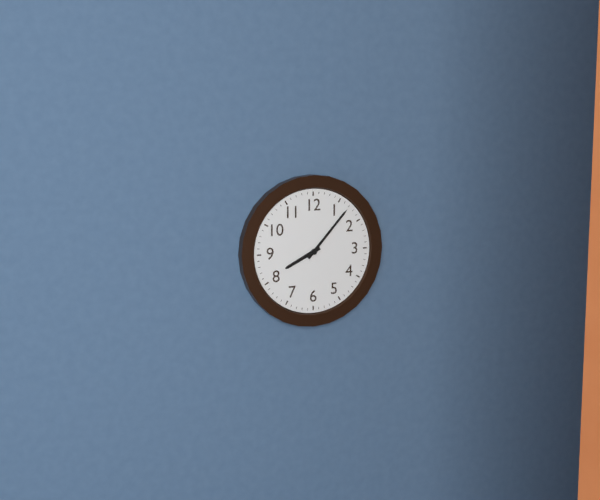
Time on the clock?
8:07
